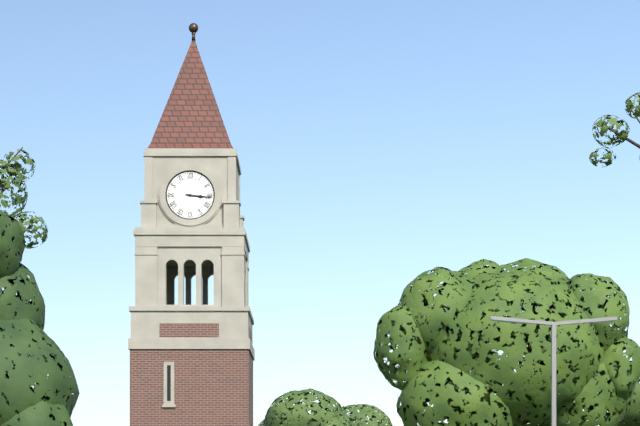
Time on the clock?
3:16
